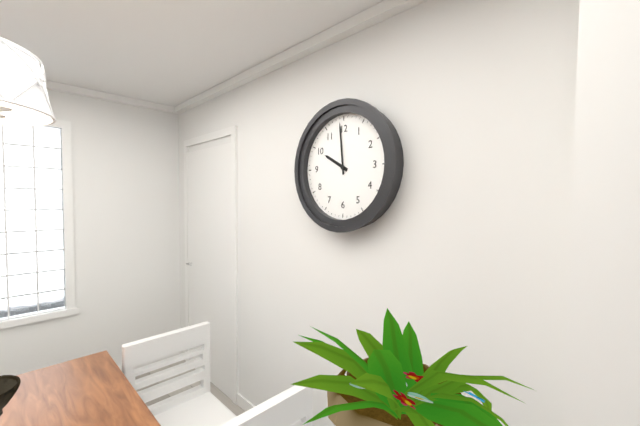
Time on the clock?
9:59
